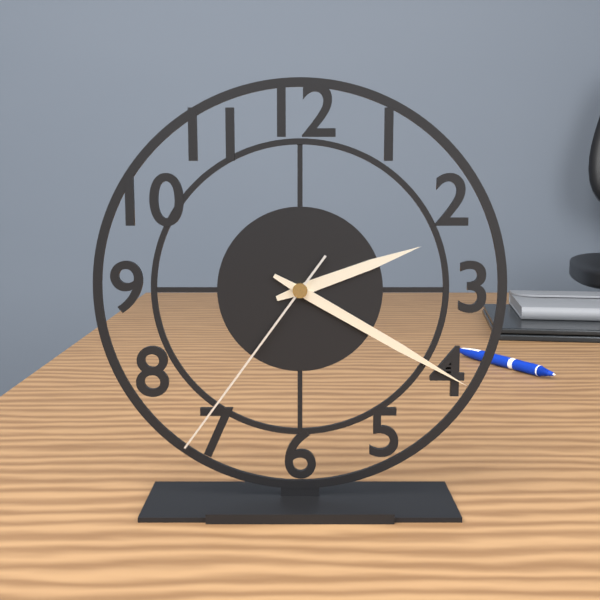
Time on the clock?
2:20:36
